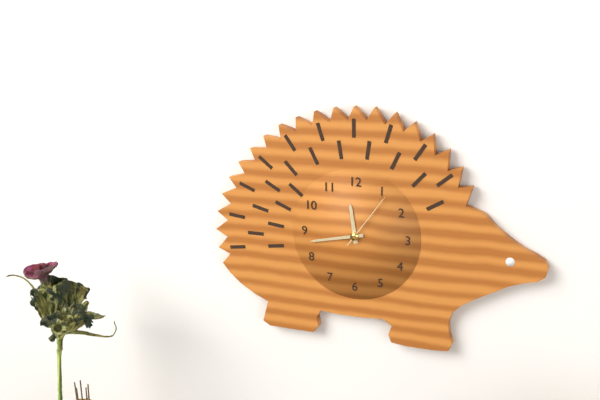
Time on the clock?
11:43:06
